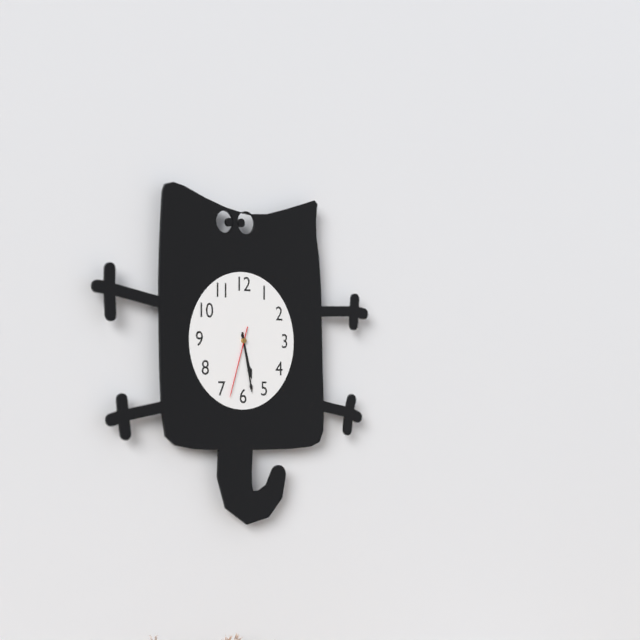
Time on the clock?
5:28:33
